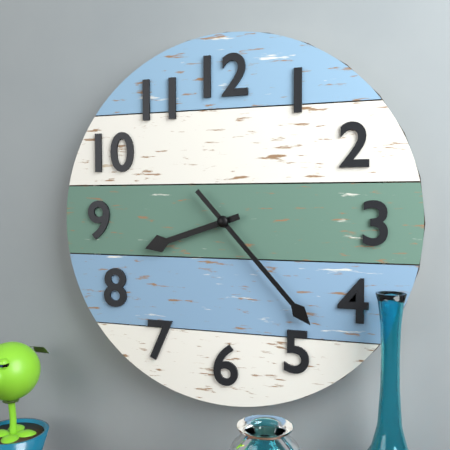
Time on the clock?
8:23
